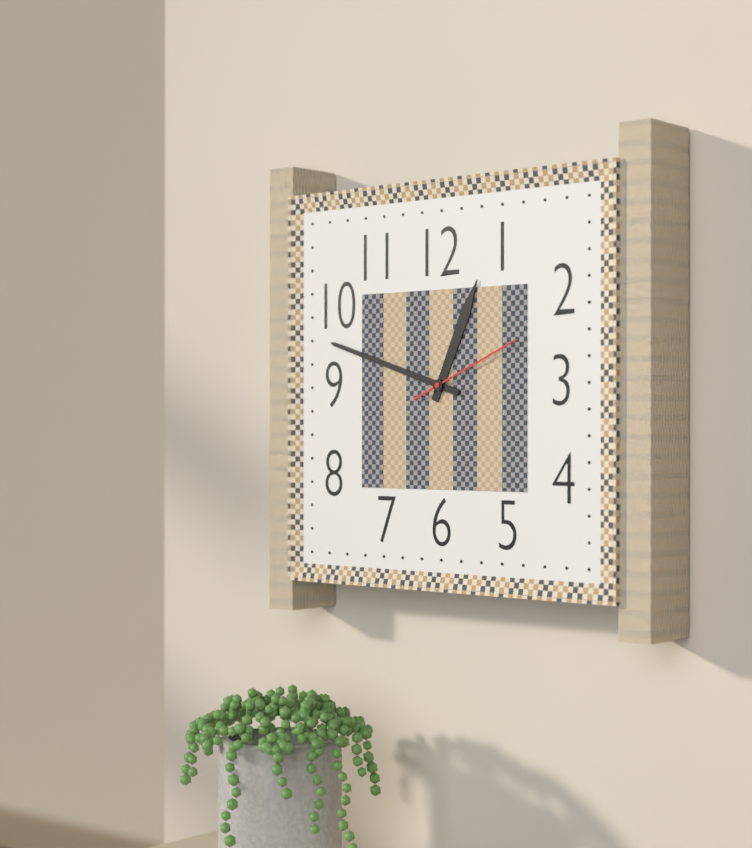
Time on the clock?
12:48:11
